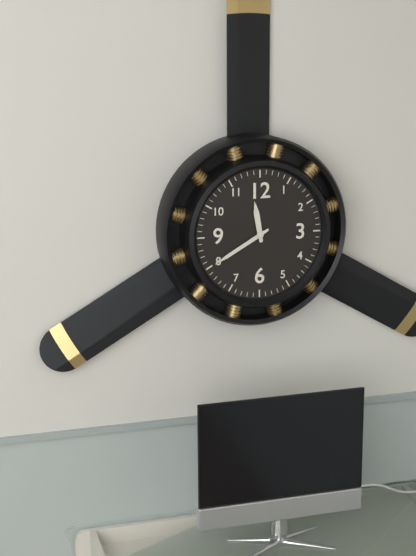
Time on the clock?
11:40
